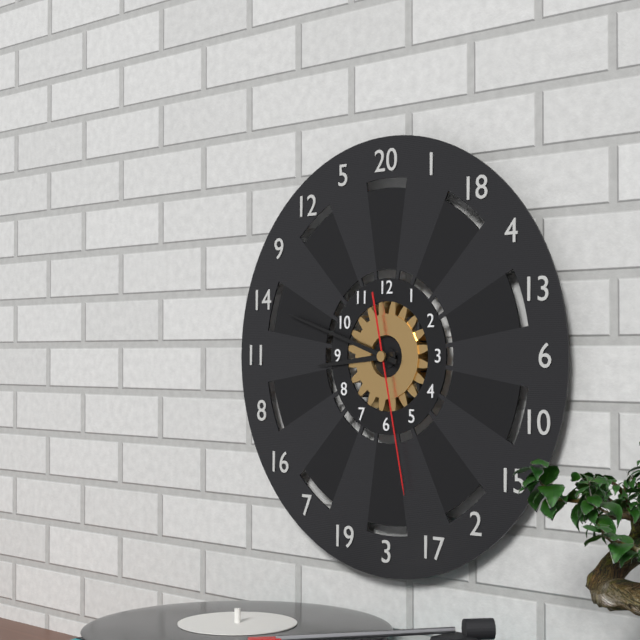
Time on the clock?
8:48:28
